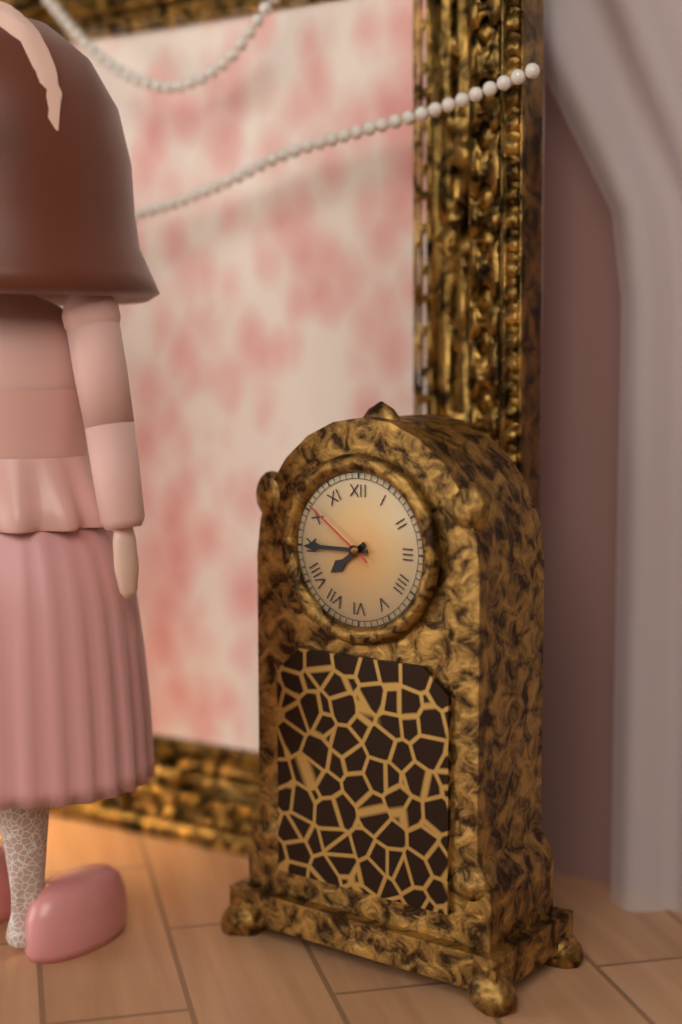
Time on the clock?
7:45:51
